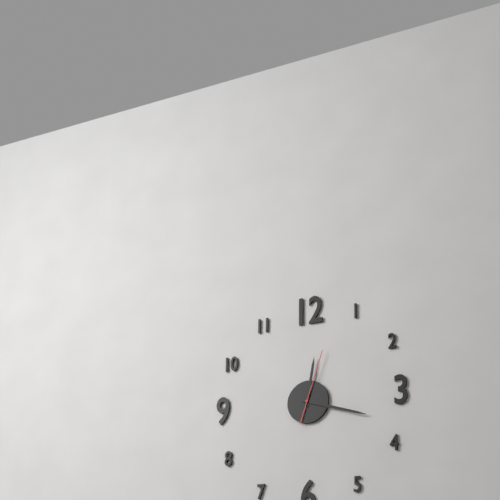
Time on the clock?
12:18:03
